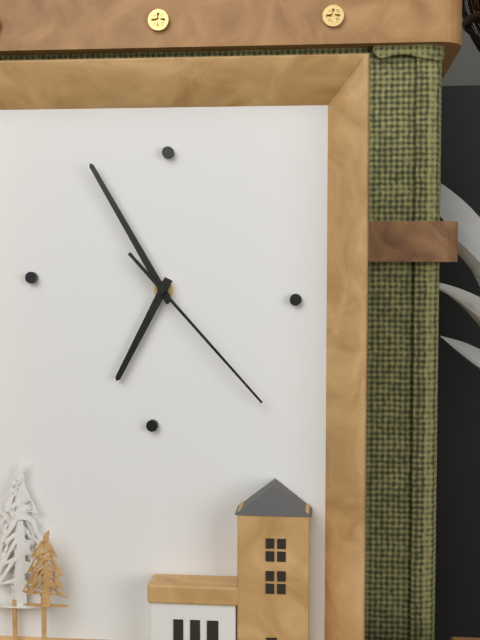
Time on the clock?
6:55:23
